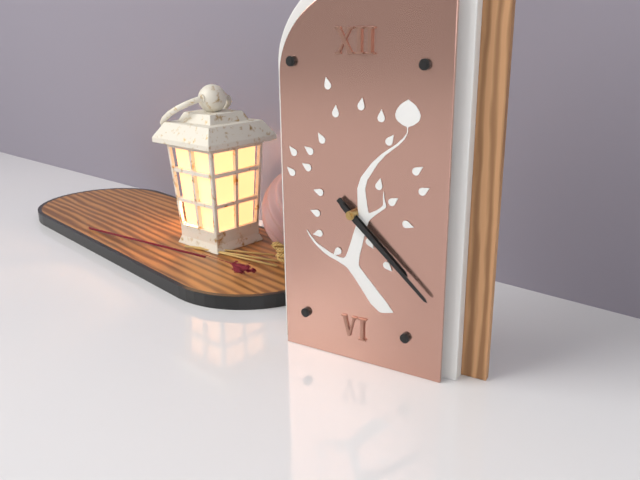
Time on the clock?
4:22
